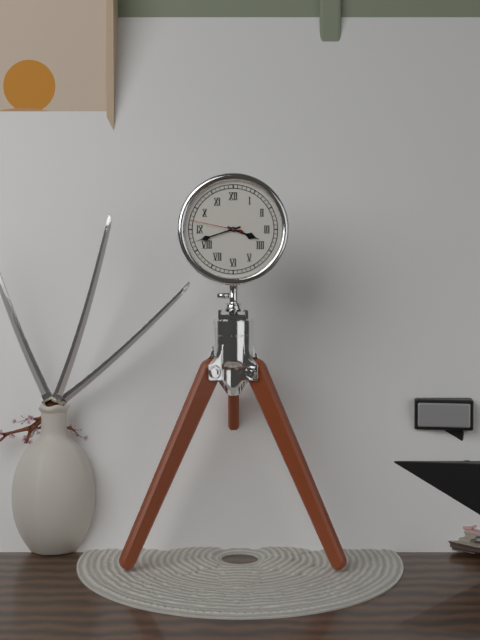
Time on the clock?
3:42:47
